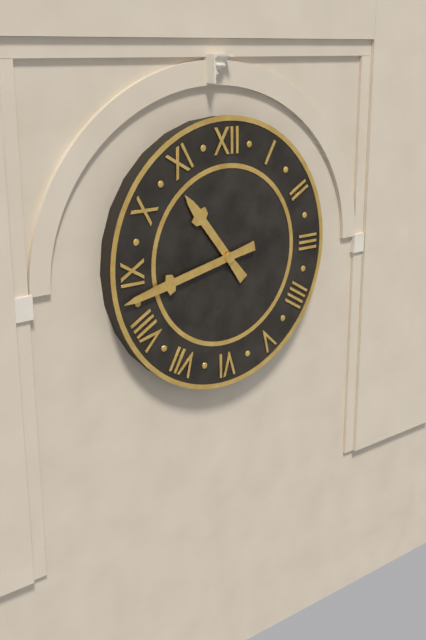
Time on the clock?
10:43
